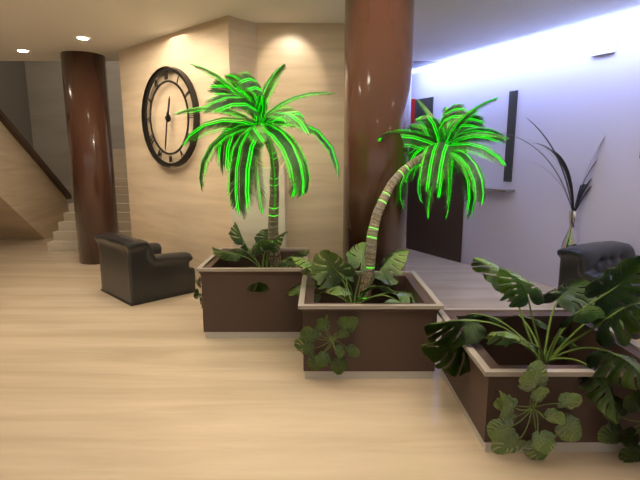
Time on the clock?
12:32
